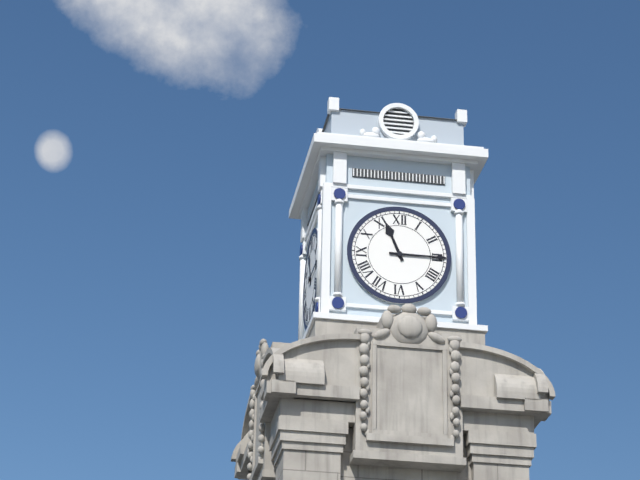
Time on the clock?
11:15
